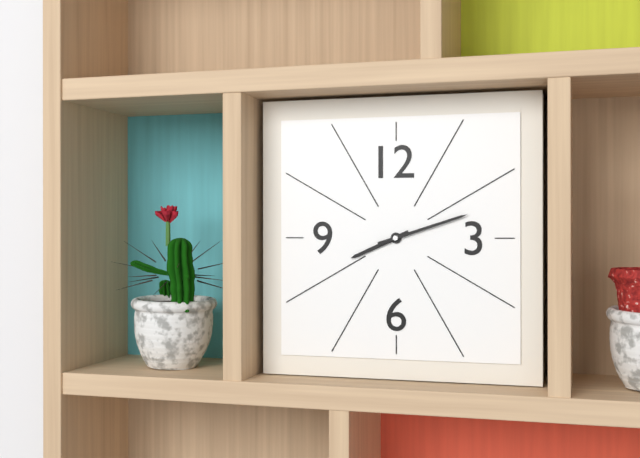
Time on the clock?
8:12
